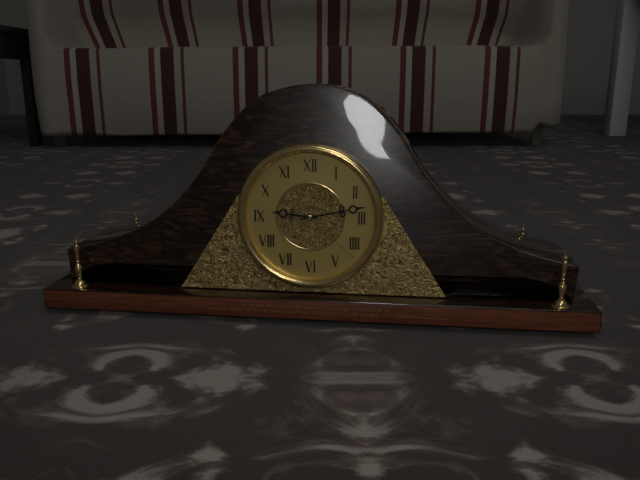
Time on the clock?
9:13:22
